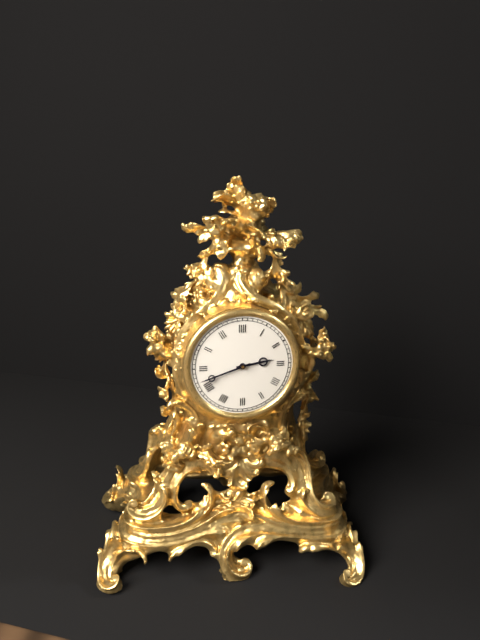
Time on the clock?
2:42
